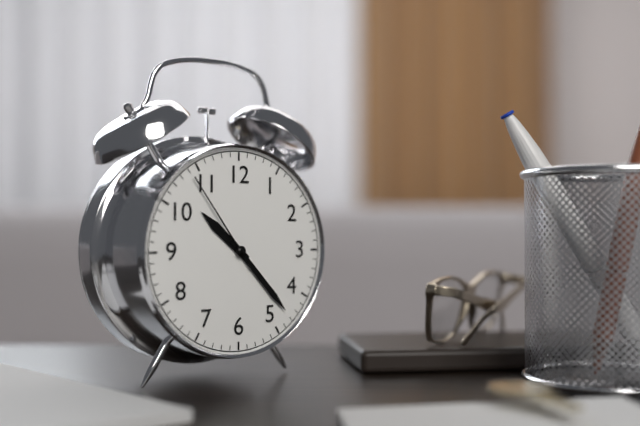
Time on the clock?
10:23:54
